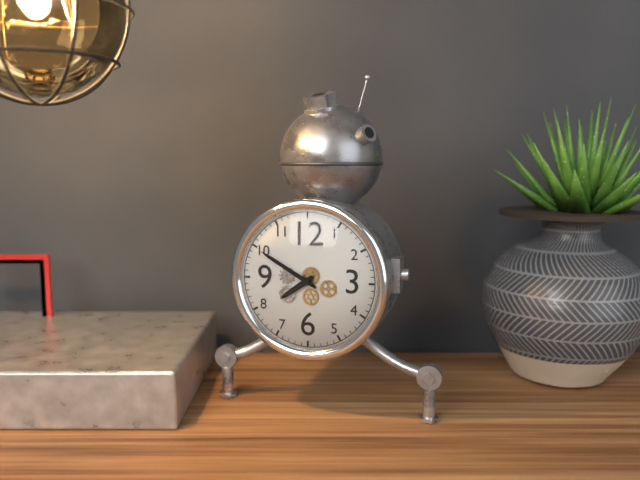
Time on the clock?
7:50
